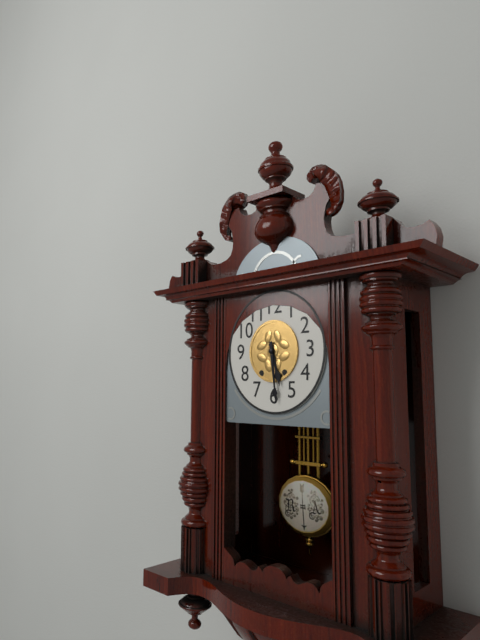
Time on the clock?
5:29
